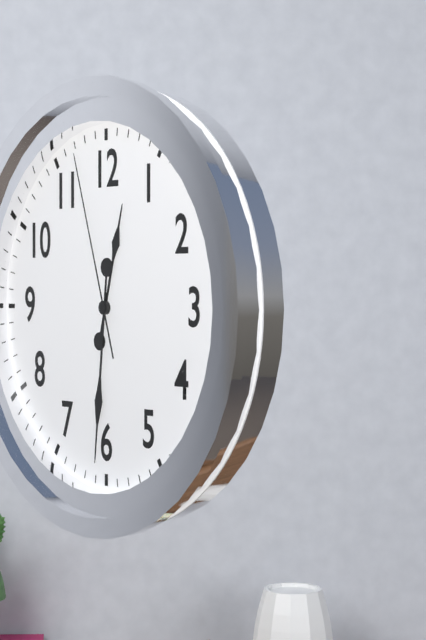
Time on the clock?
12:31:57
